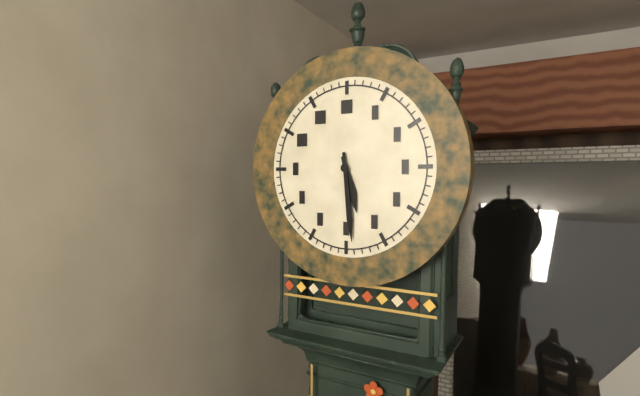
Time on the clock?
5:29
